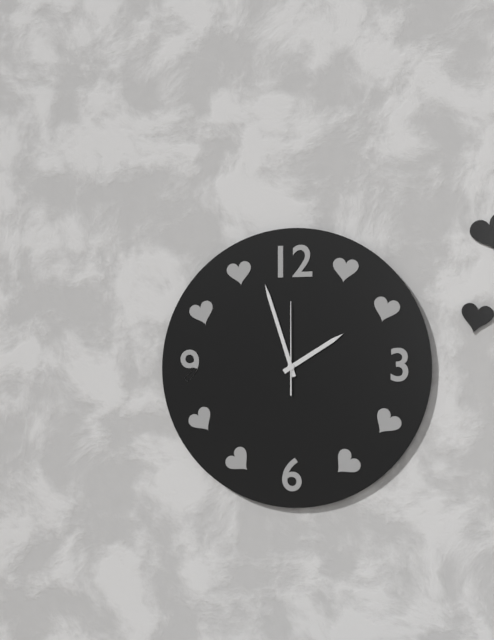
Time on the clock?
1:57:00
